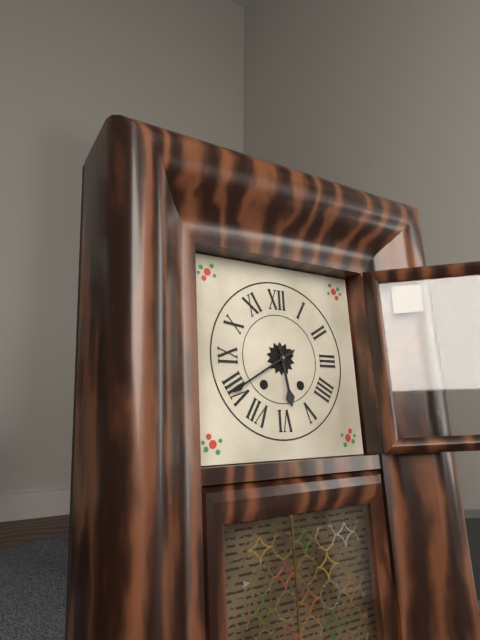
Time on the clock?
5:40
